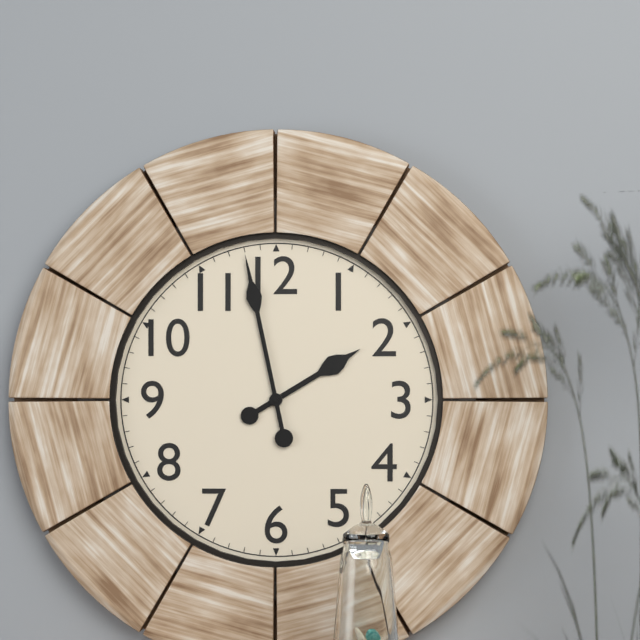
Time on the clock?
1:58
